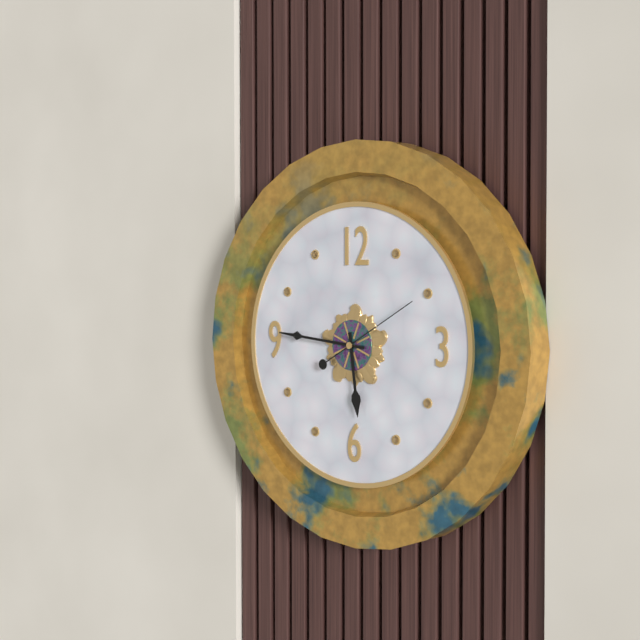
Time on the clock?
5:46:10
